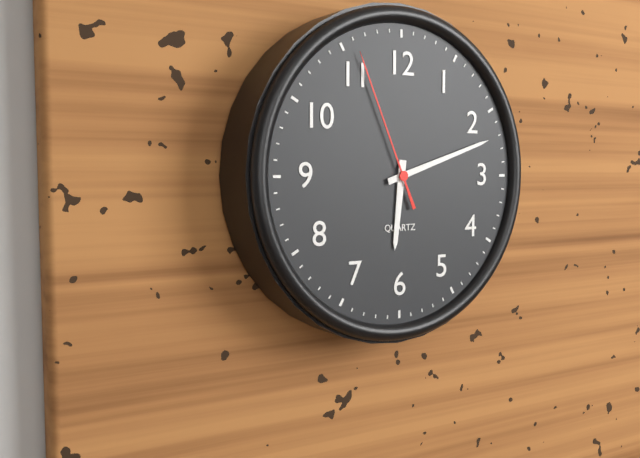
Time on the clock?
6:12:56
